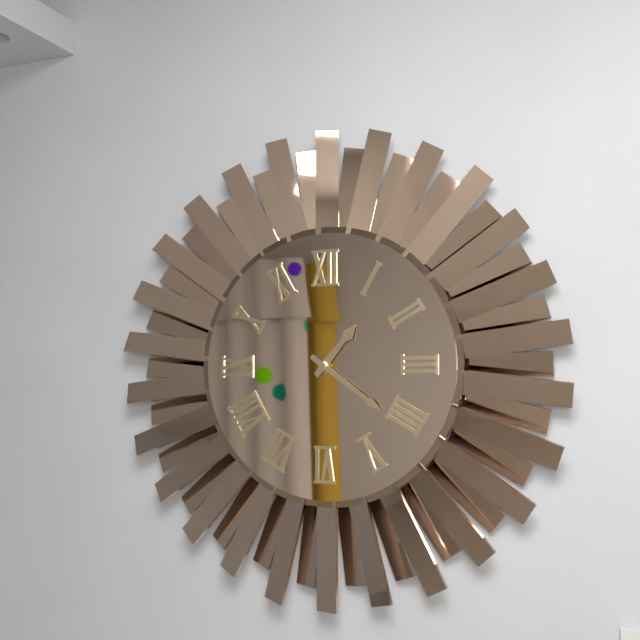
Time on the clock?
1:21
